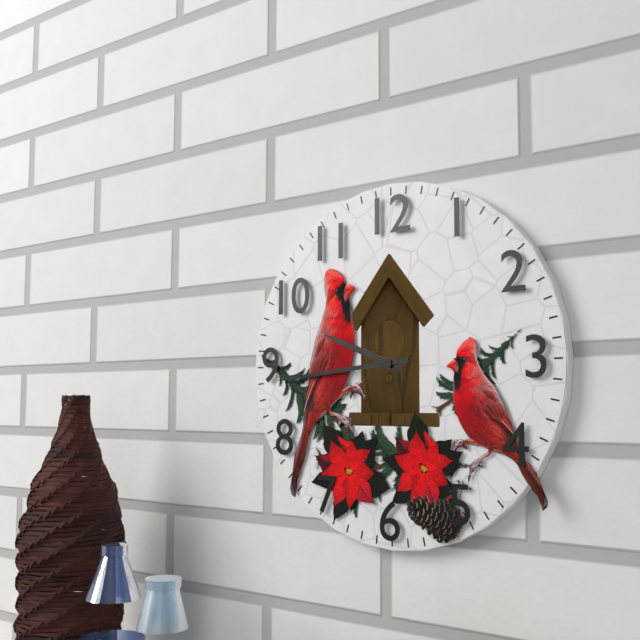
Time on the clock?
9:44
